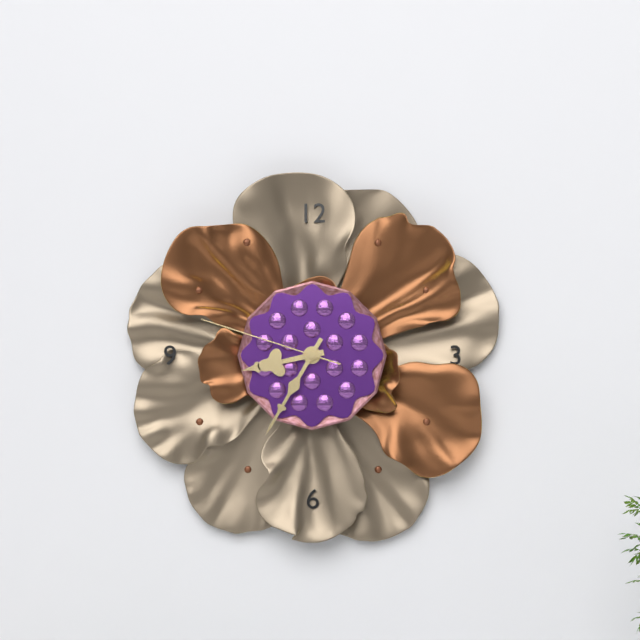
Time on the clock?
8:35:48
